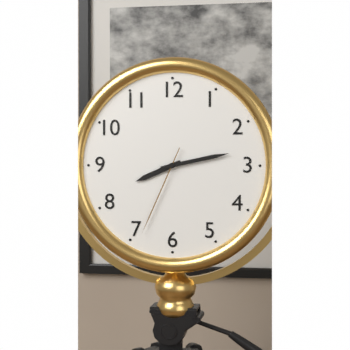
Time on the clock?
8:13:34
